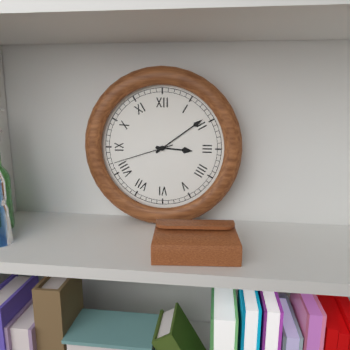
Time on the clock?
3:09:42
